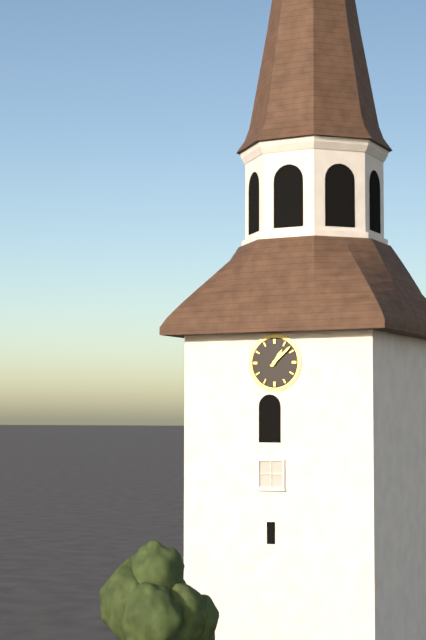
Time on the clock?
1:08
